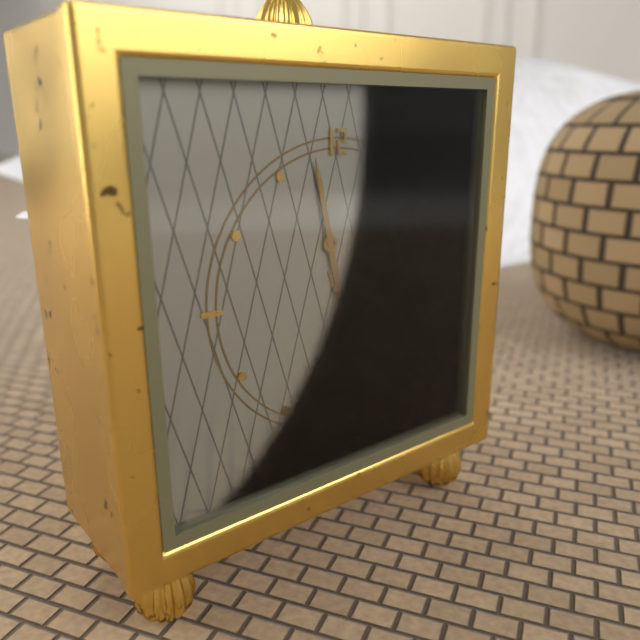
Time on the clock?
4:58
